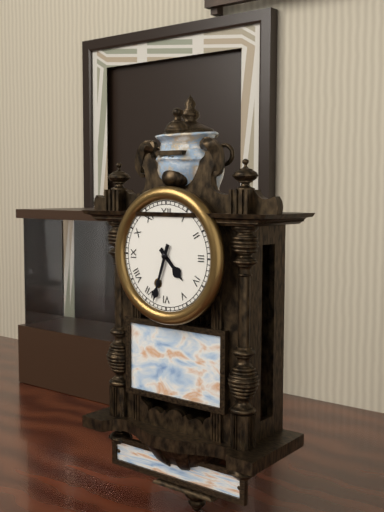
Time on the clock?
4:33
